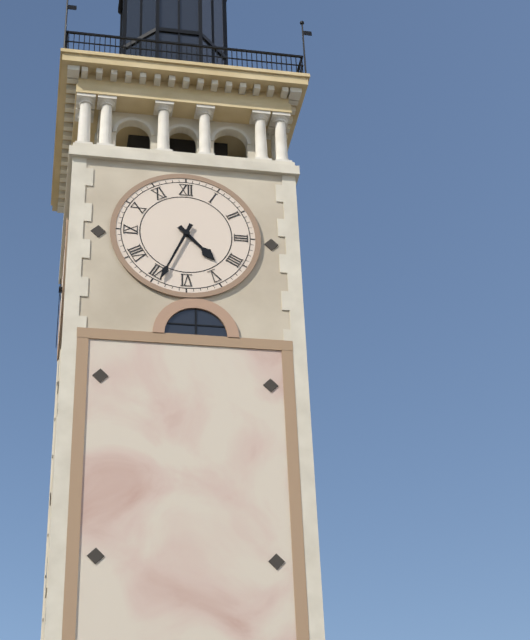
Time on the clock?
4:34
